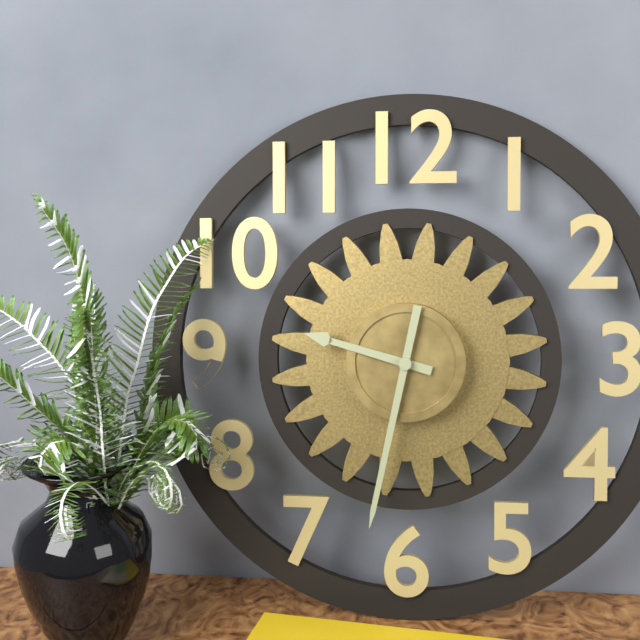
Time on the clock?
9:32
